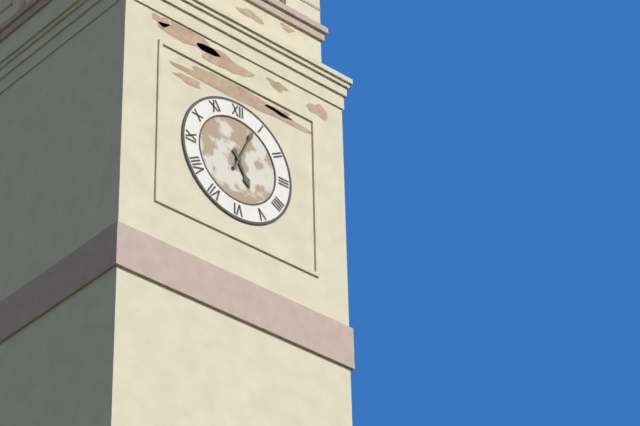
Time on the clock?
5:04
